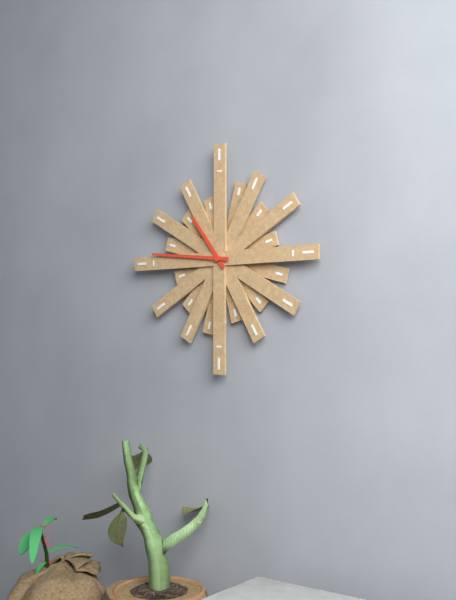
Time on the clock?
10:46
